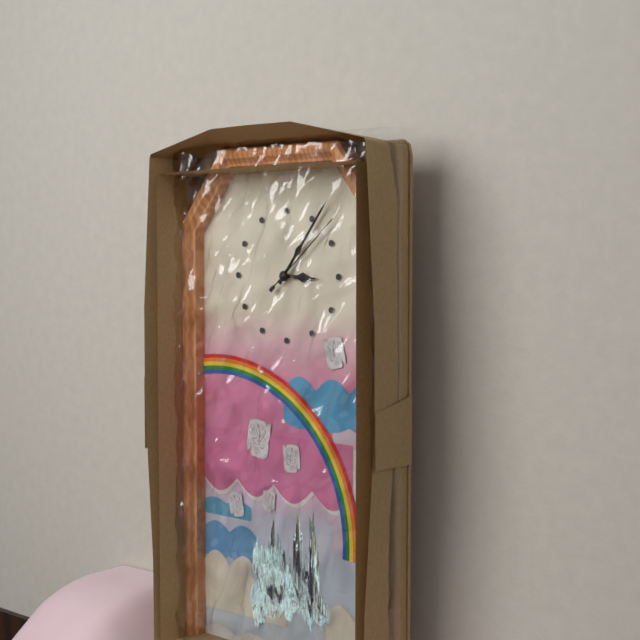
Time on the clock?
3:06:08
